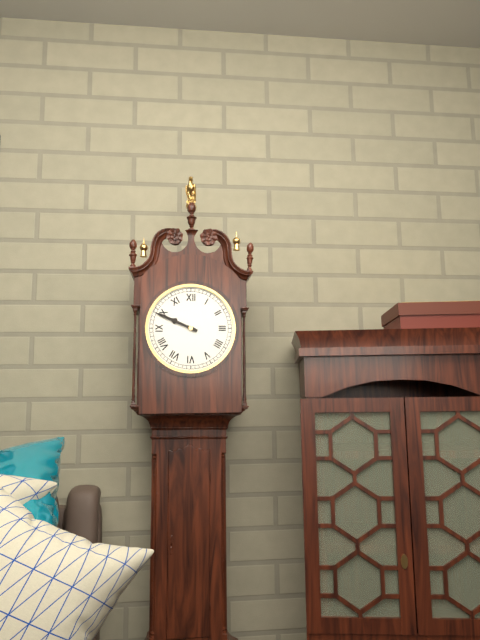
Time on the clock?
9:49
